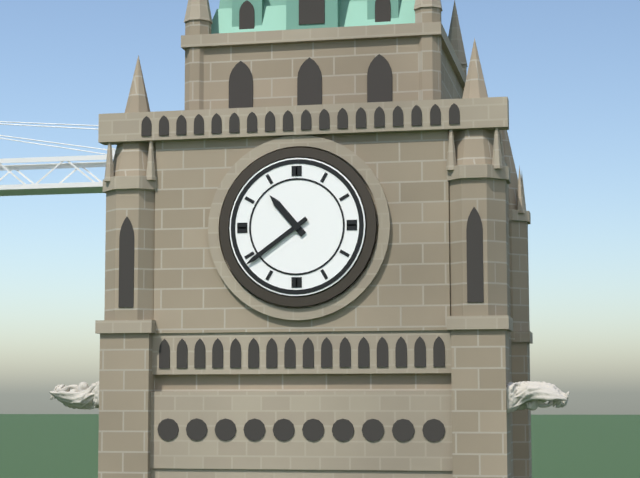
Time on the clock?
10:39
